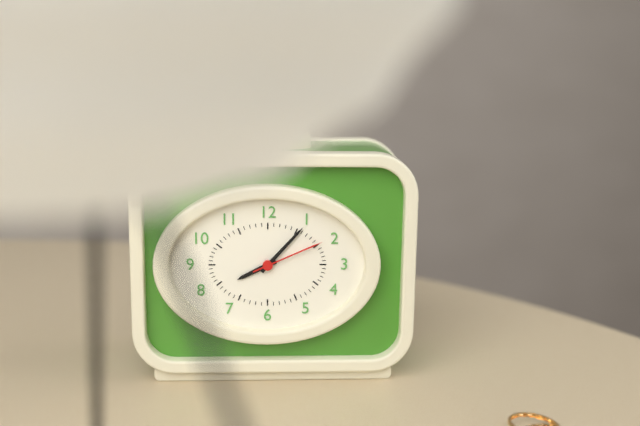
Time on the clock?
8:07:11
